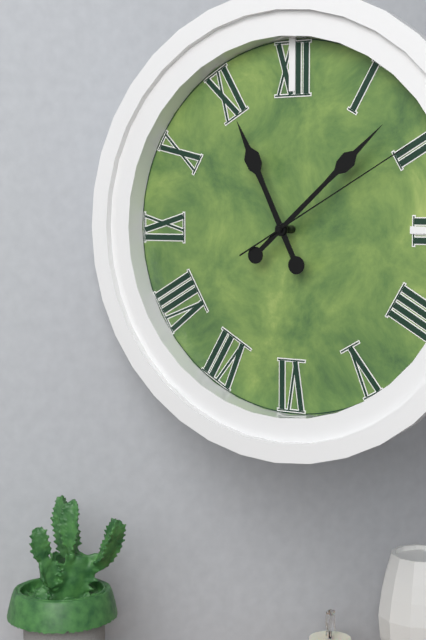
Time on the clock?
11:08:10
